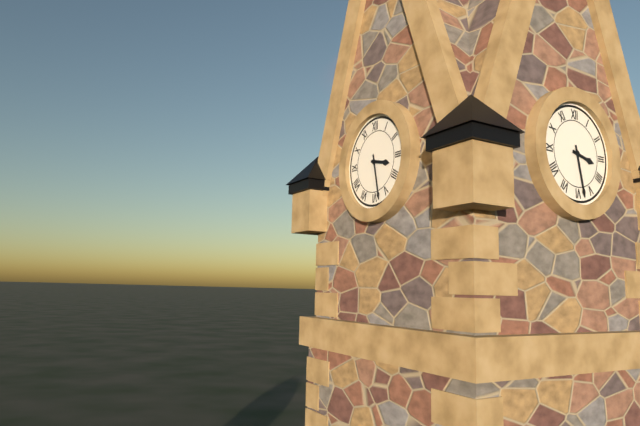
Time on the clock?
3:28
